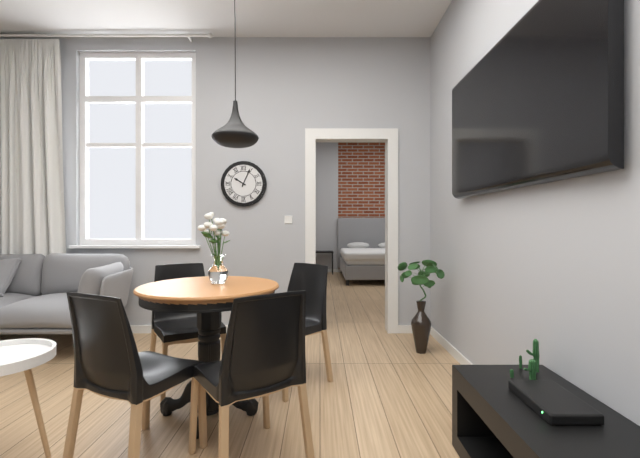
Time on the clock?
10:04
